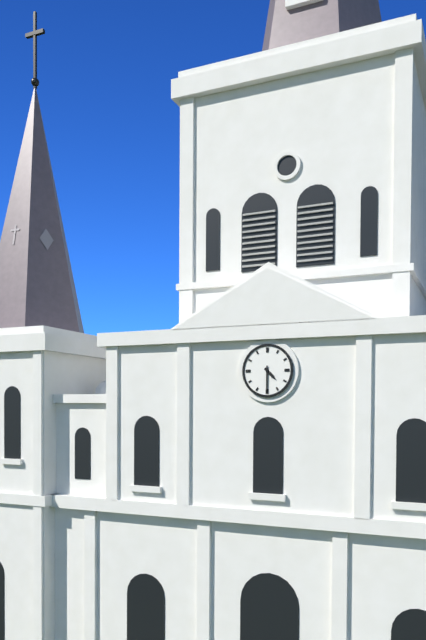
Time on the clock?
4:30
